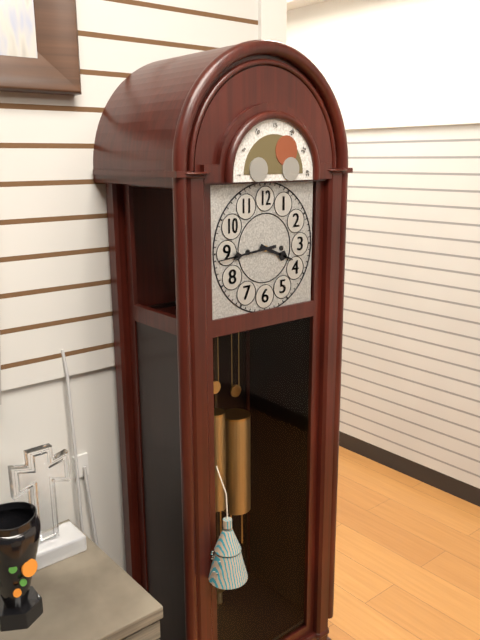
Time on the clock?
3:44
